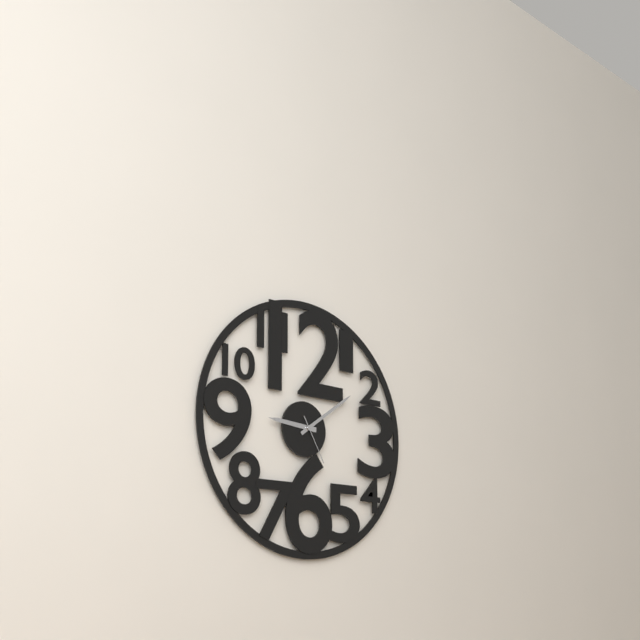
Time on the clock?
9:09
